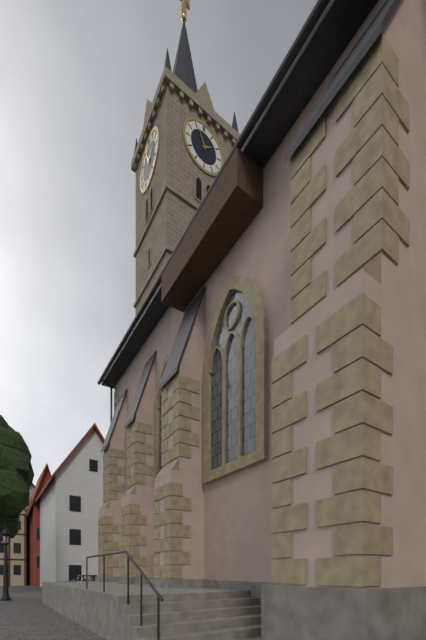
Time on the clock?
1:56
